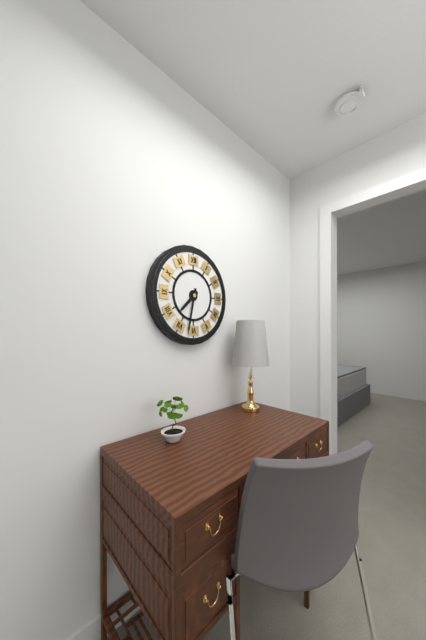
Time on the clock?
7:32
